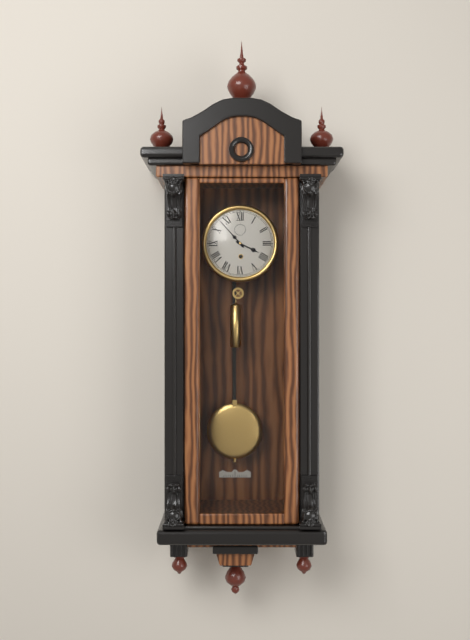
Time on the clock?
3:53
